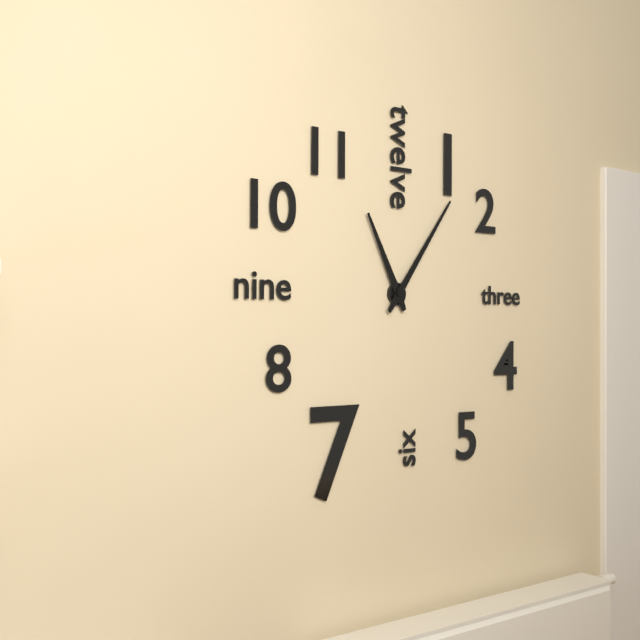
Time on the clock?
11:06
